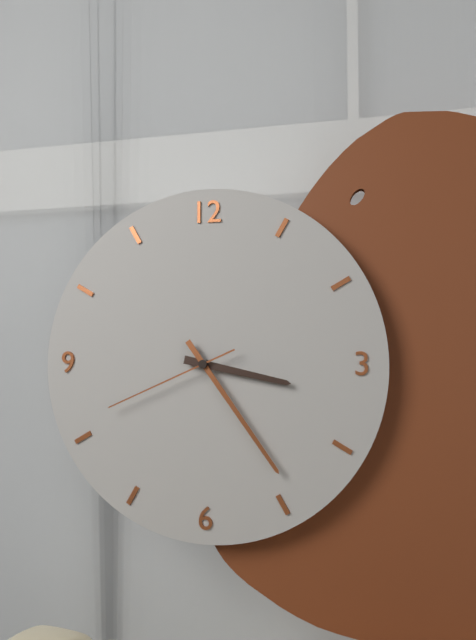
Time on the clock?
3:24:41
